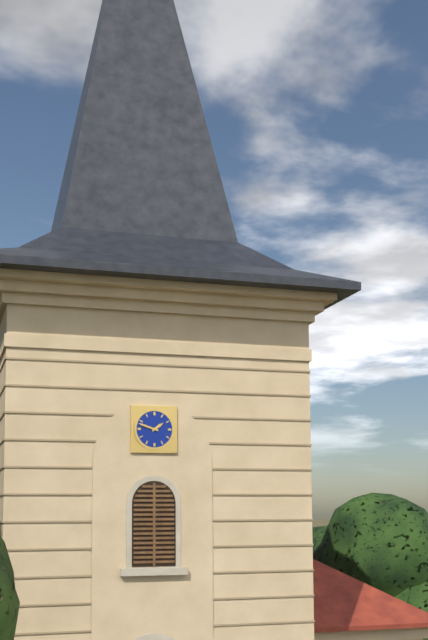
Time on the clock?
1:48
